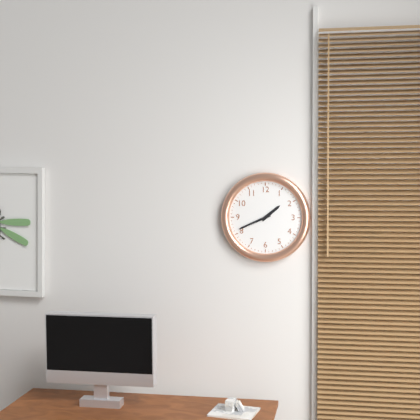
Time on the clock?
1:41
